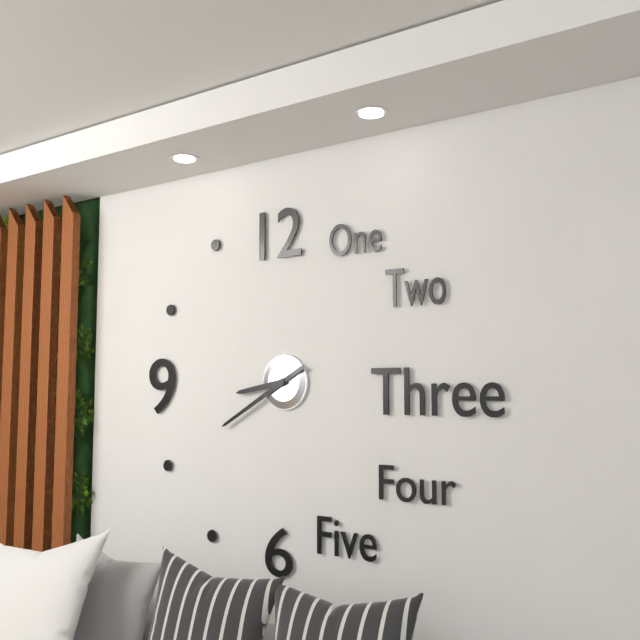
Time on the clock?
8:40
